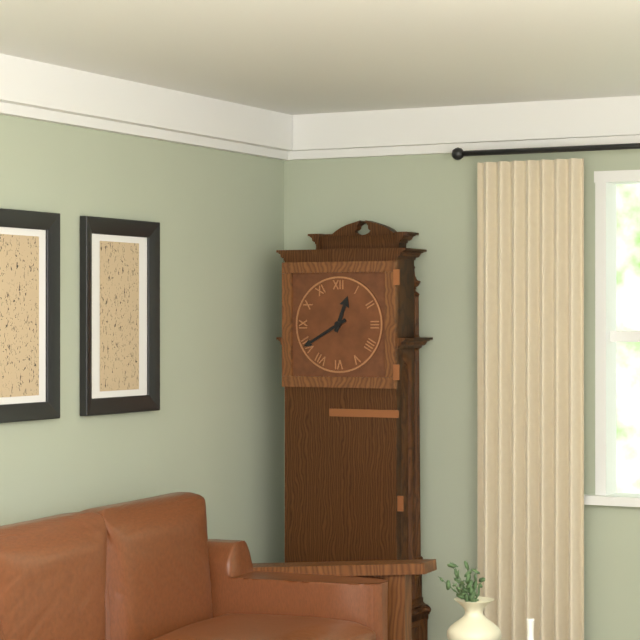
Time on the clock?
12:40
